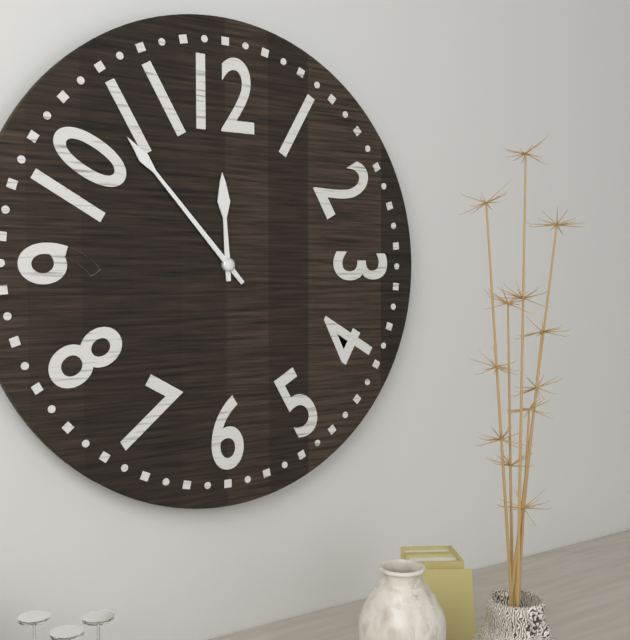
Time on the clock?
11:53
